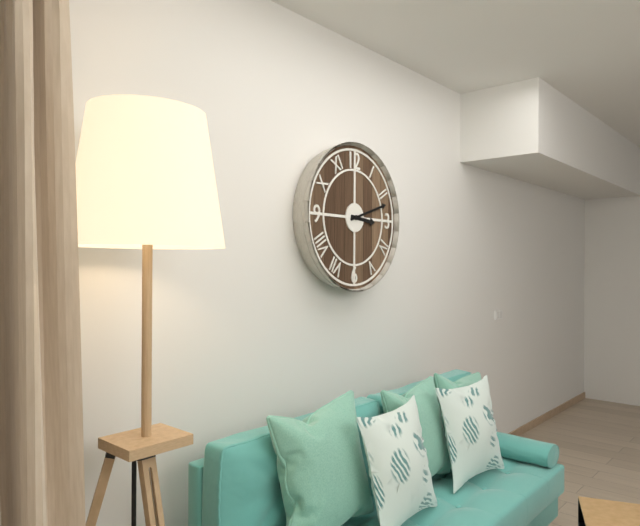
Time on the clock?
3:12
